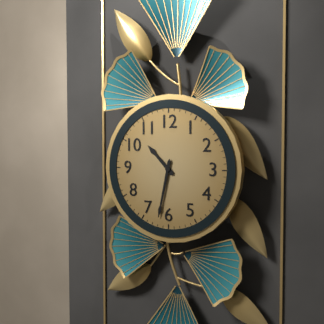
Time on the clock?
10:32
